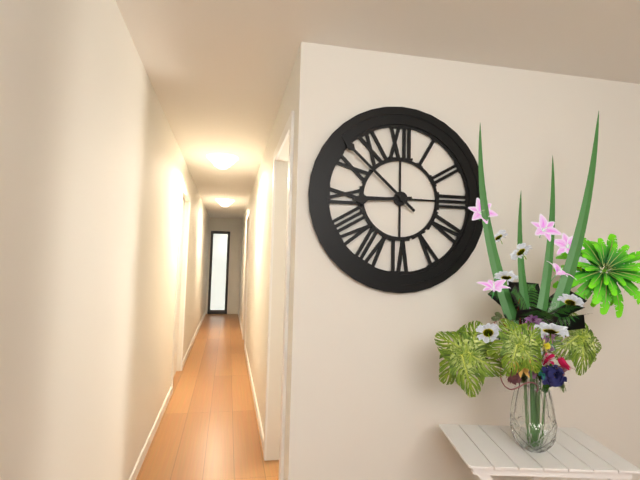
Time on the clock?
8:52
